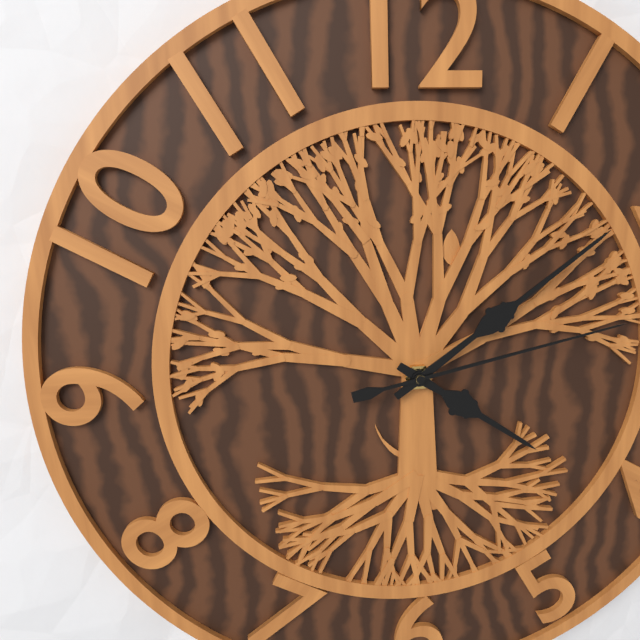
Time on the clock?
4:09:13
